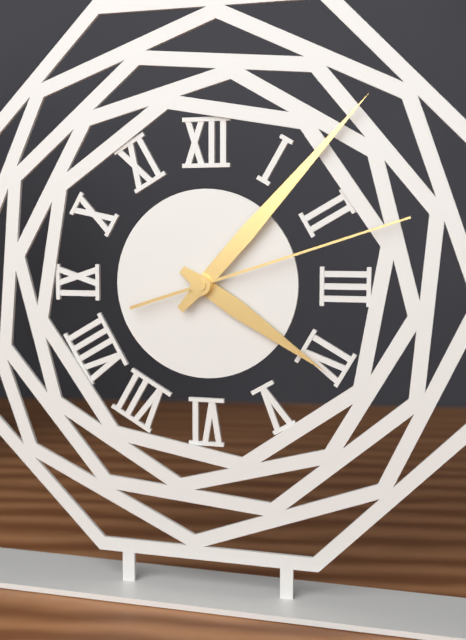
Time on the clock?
4:07:12
